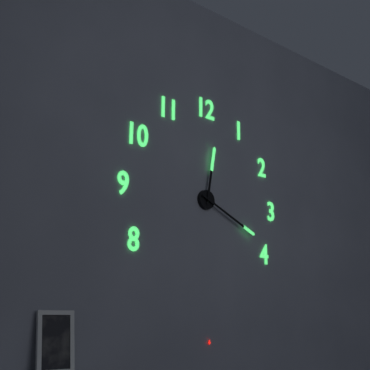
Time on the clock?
12:19
